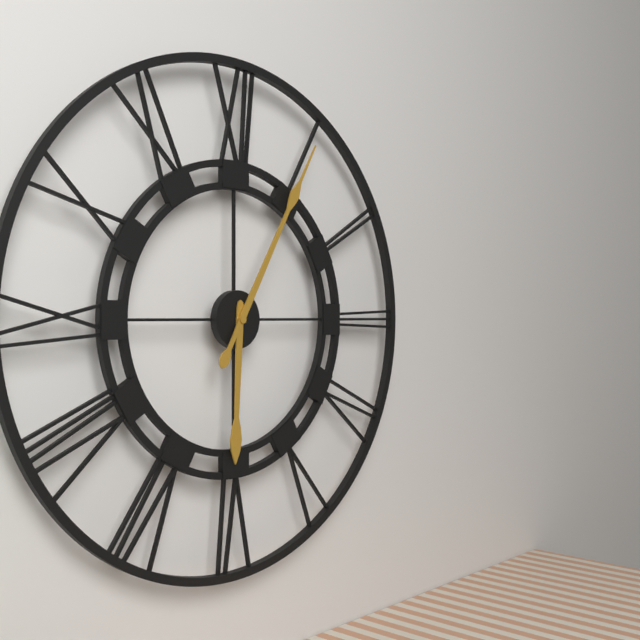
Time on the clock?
6:05
